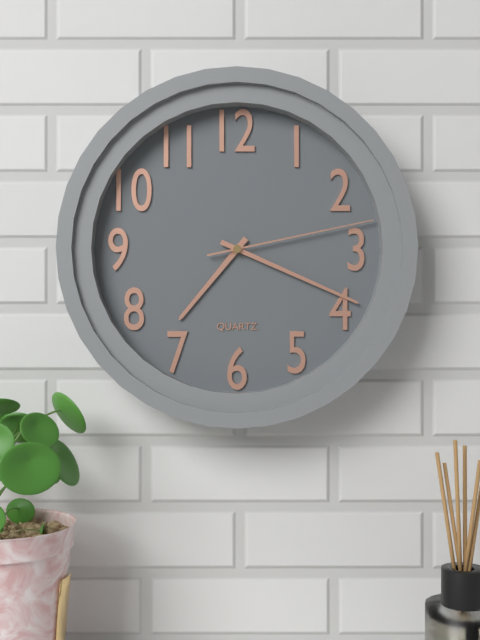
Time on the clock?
7:19:13
